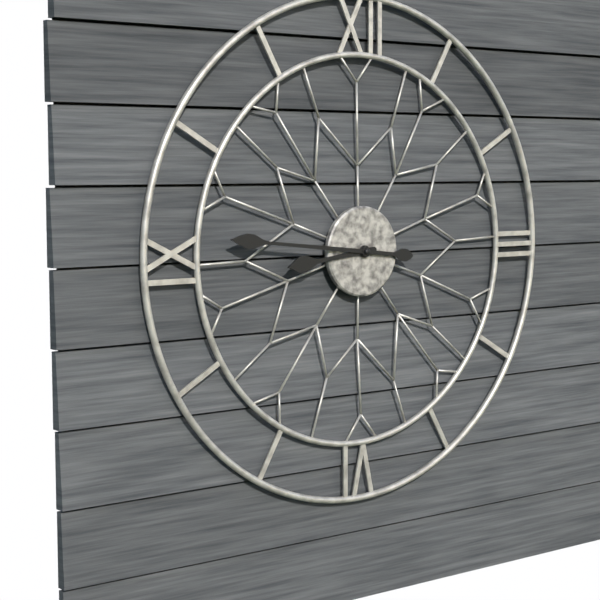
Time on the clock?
8:46
